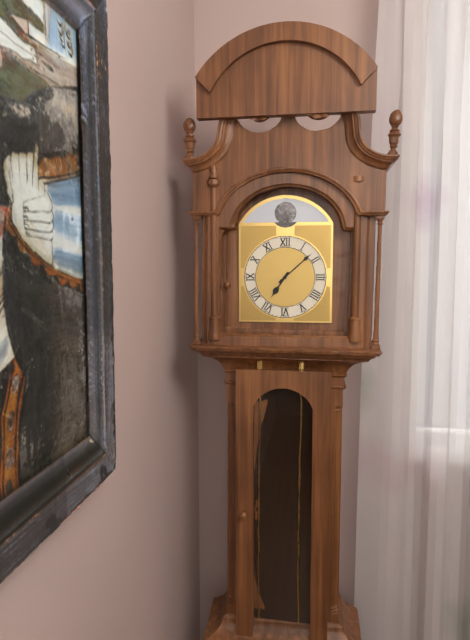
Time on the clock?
7:08
